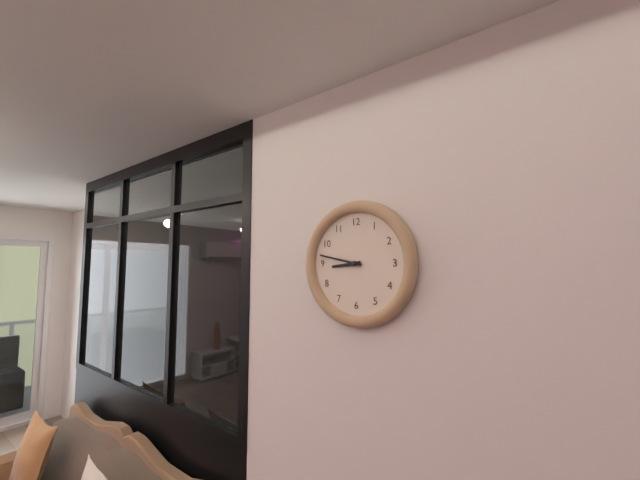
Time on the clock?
8:47
